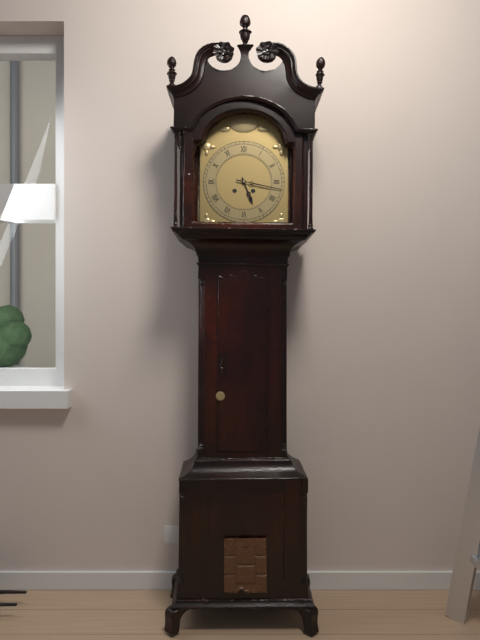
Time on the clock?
5:17
